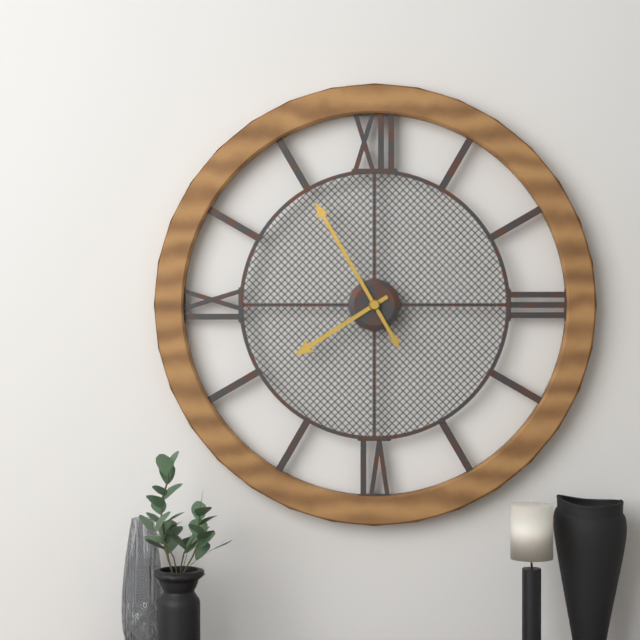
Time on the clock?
7:55
